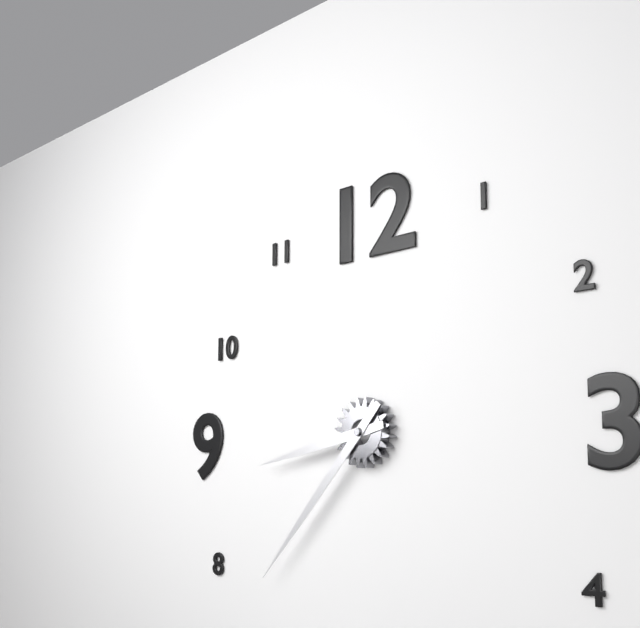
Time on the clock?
8:37
